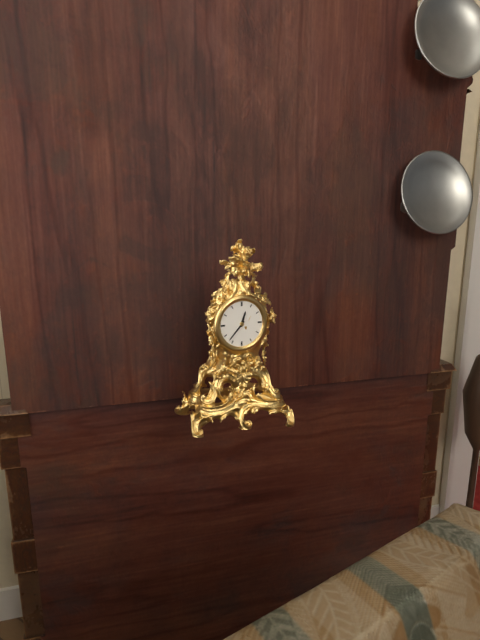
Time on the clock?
12:37
